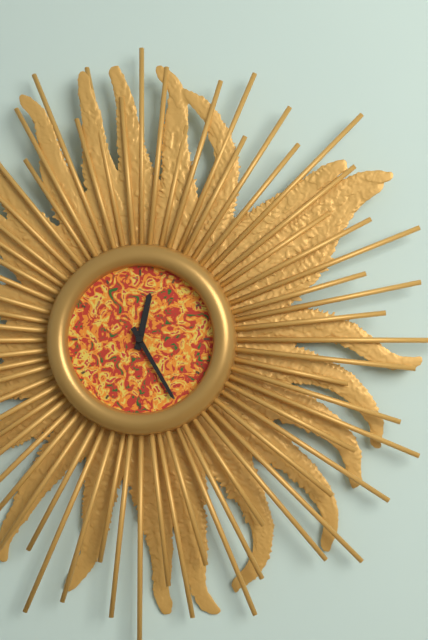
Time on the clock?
12:25
